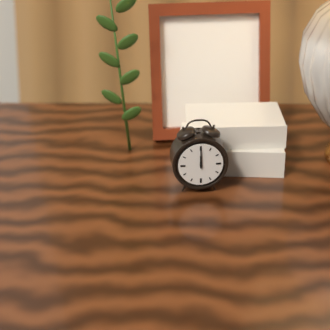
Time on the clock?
12:00
